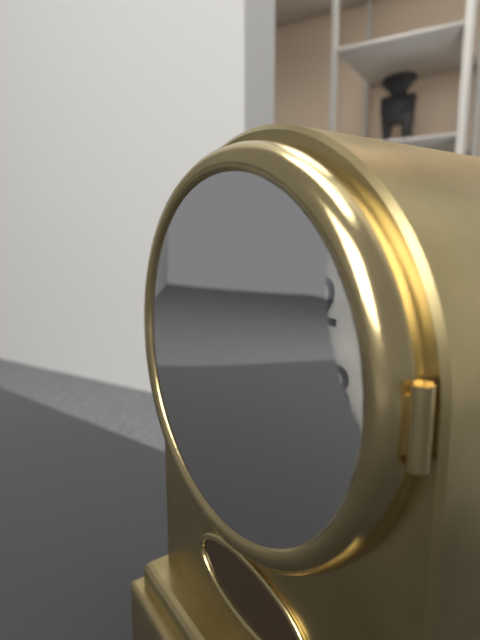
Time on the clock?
9:54
